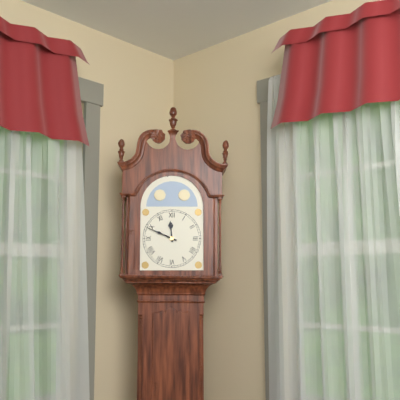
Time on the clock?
11:49
